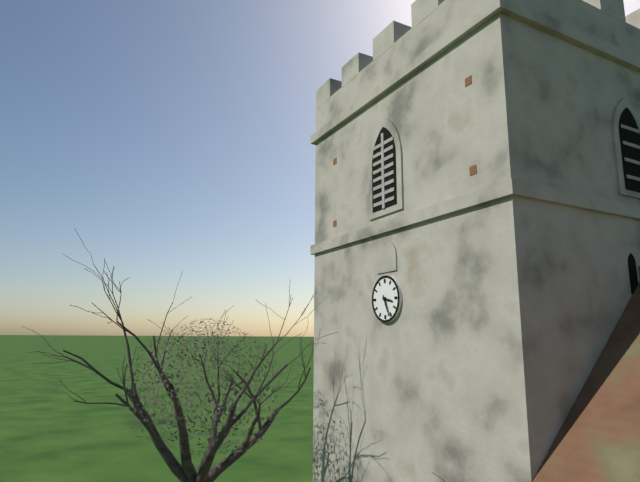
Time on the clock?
3:26
